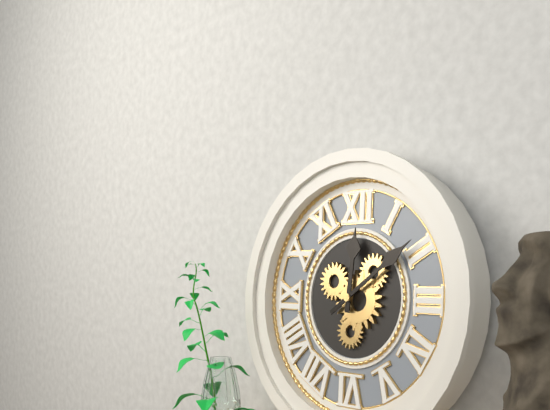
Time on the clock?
12:09
